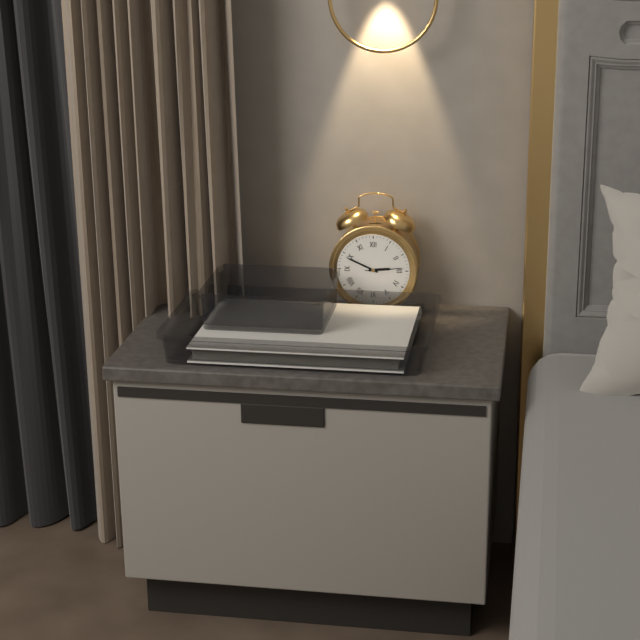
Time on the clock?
2:49
